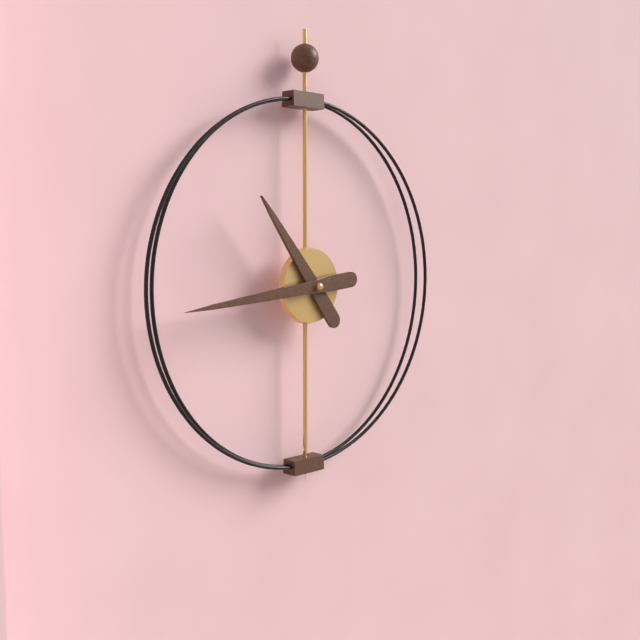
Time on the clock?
10:44
